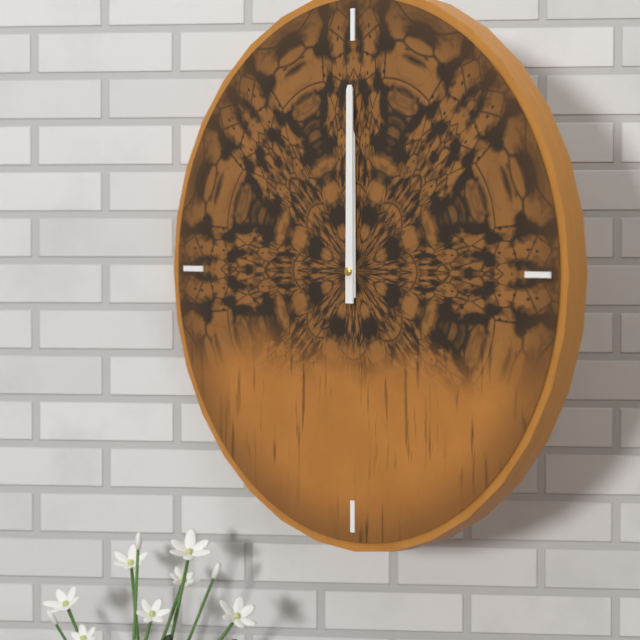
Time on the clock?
12:00
